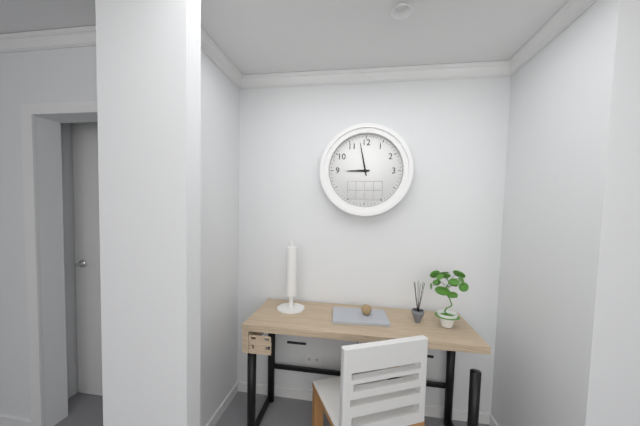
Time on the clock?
8:58
